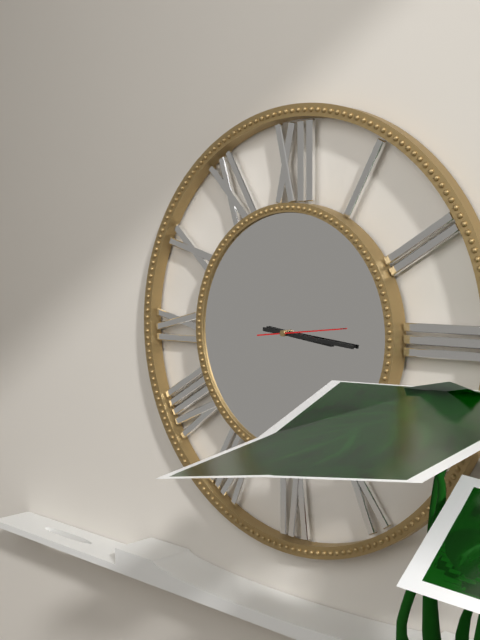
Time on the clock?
3:16
